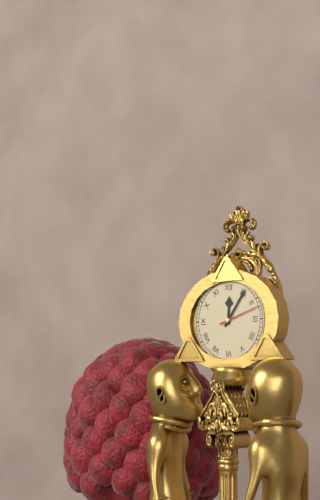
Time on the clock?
12:06
